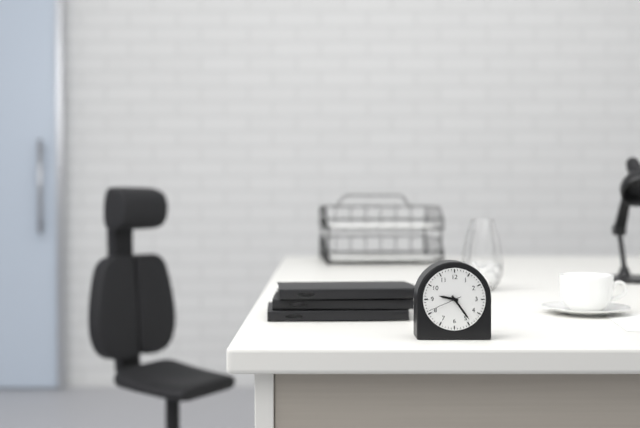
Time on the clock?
9:24
